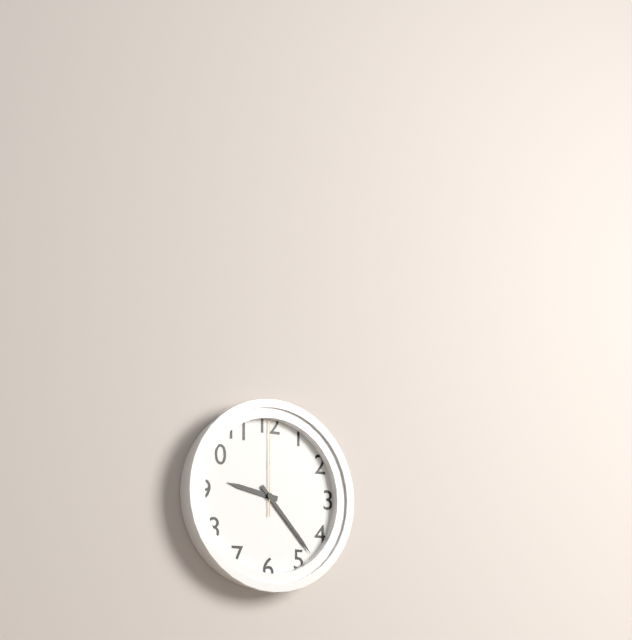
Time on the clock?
9:23:00
